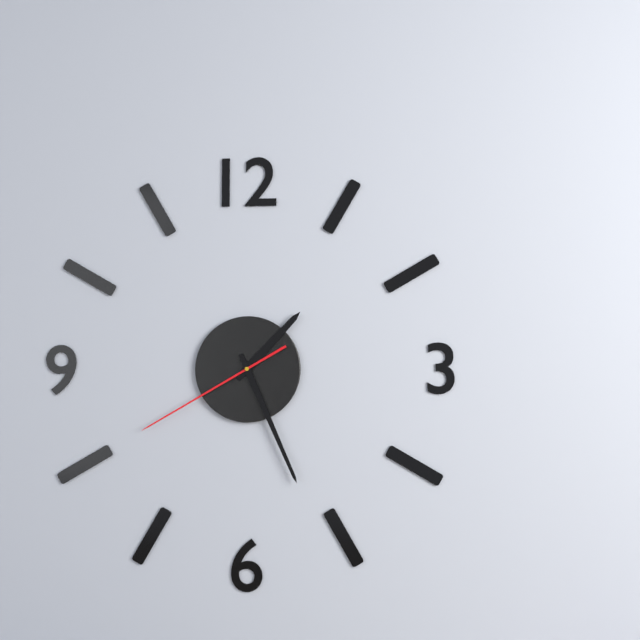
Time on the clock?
1:26:40
